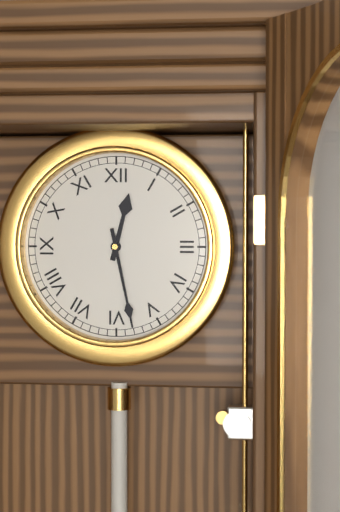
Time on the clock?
12:28
